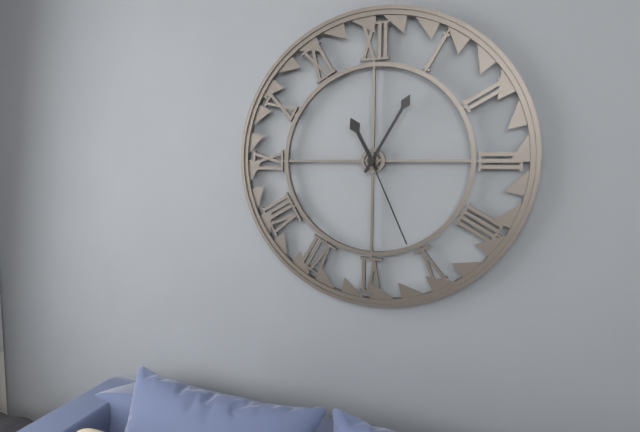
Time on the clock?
11:05:26
